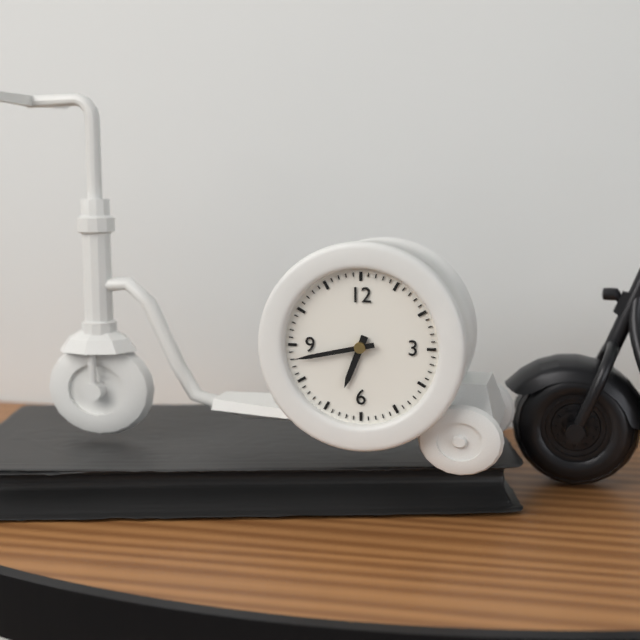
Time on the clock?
6:43
